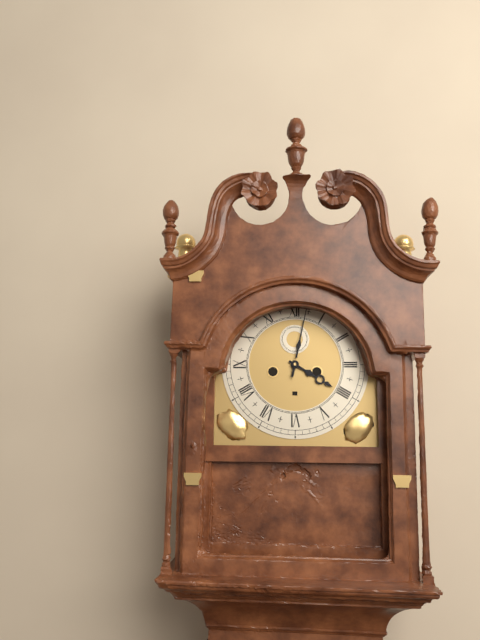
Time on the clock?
4:02
